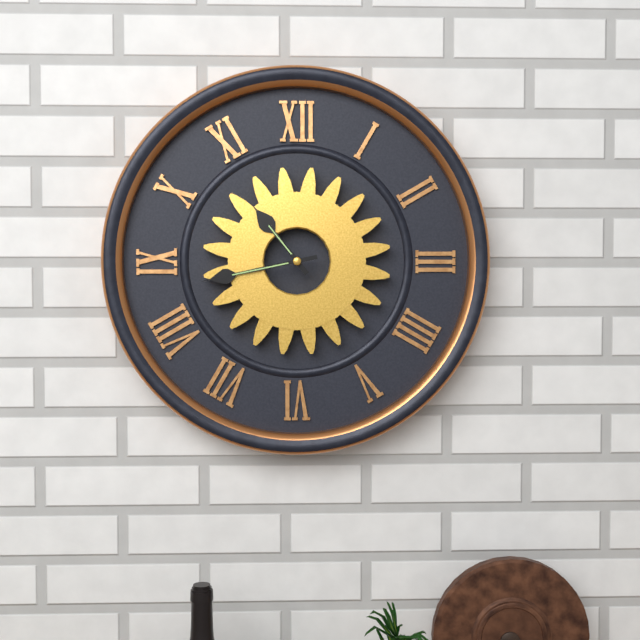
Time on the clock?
10:43
